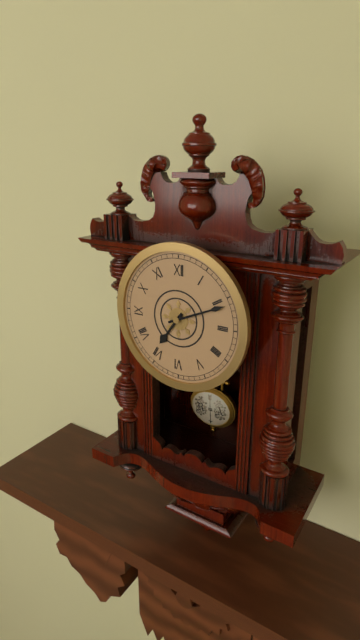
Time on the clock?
7:11
